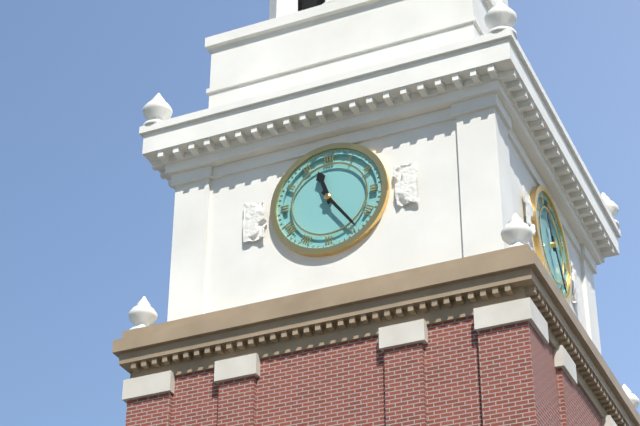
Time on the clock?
11:24
